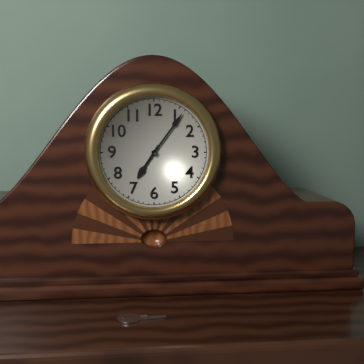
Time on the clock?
7:06
